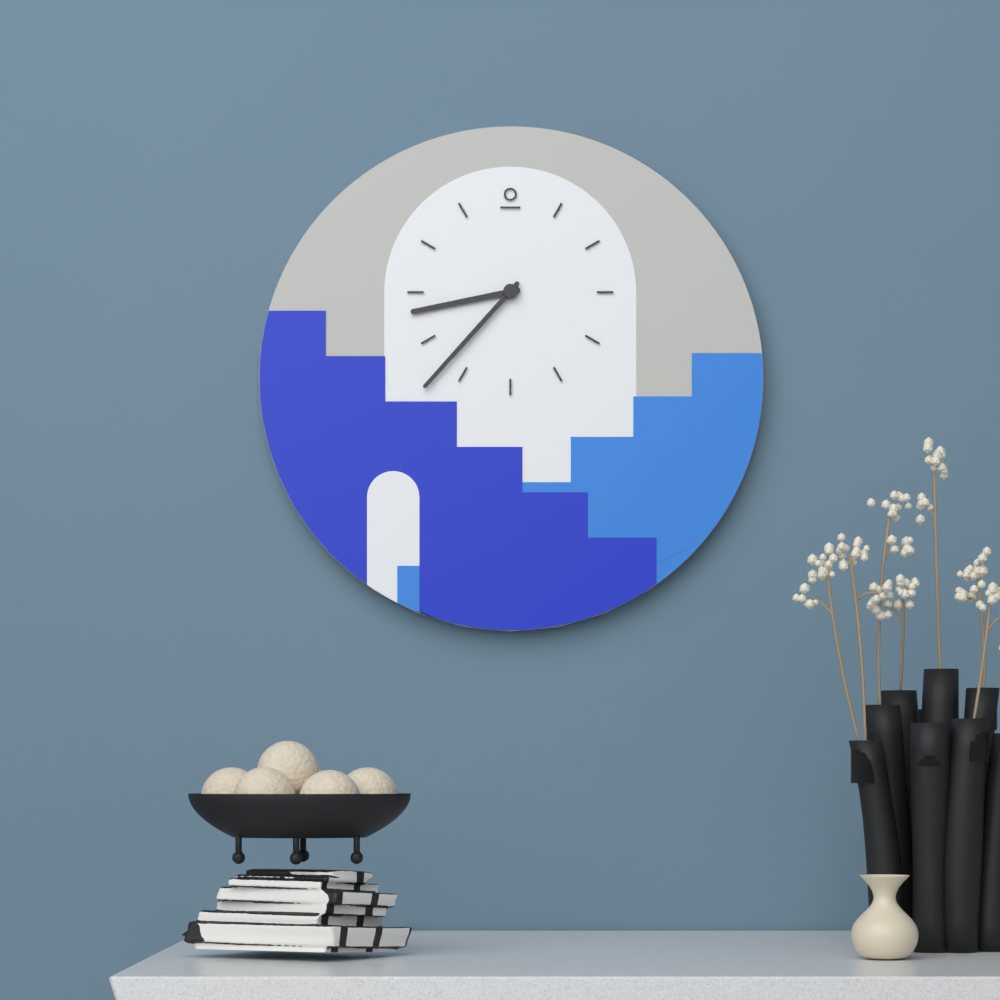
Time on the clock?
8:37
